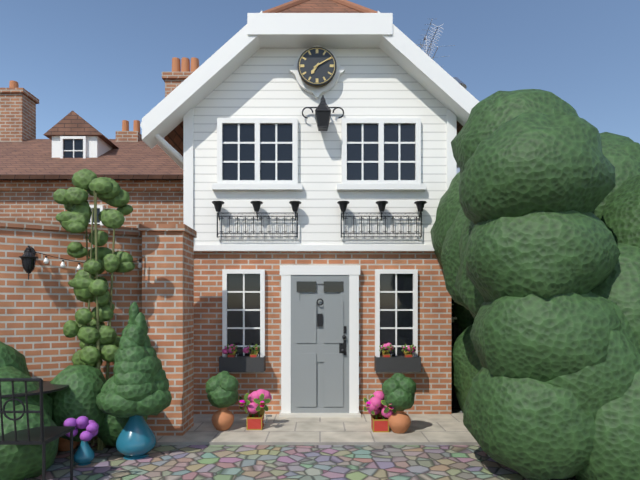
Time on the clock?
7:10
